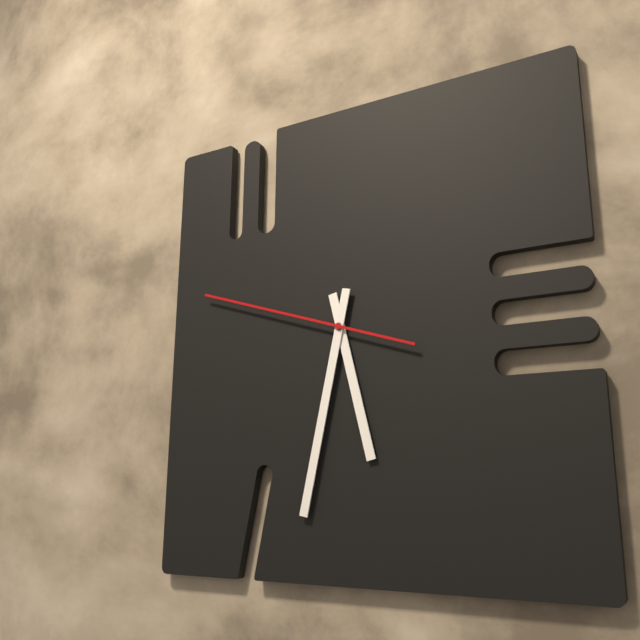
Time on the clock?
5:32:48
